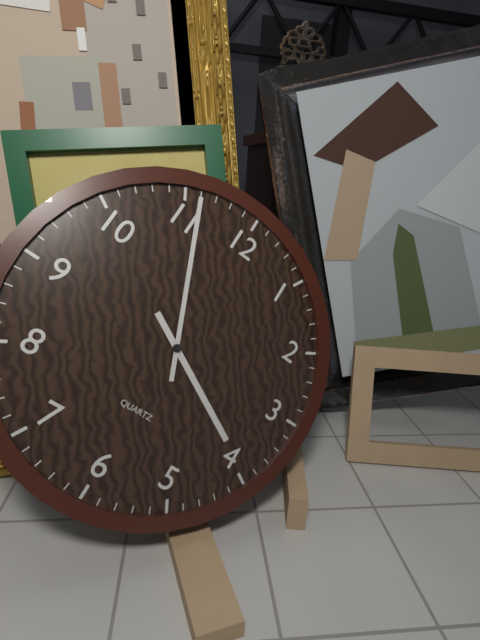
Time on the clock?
3:56
